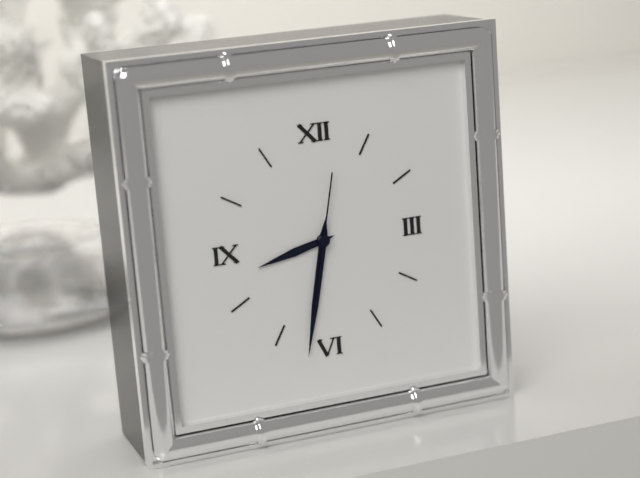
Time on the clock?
8:32:32
